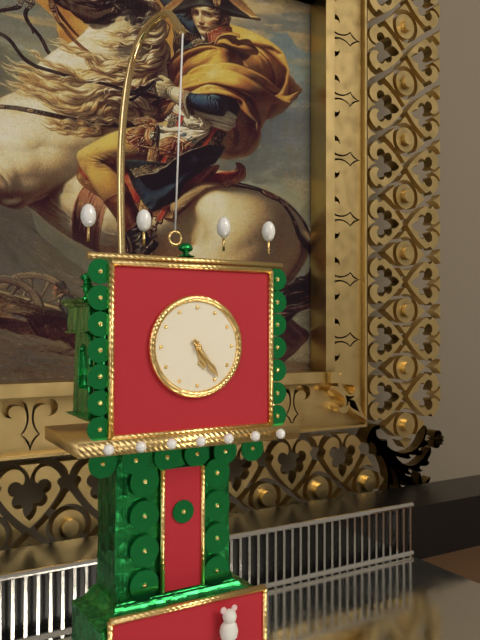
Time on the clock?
5:24
